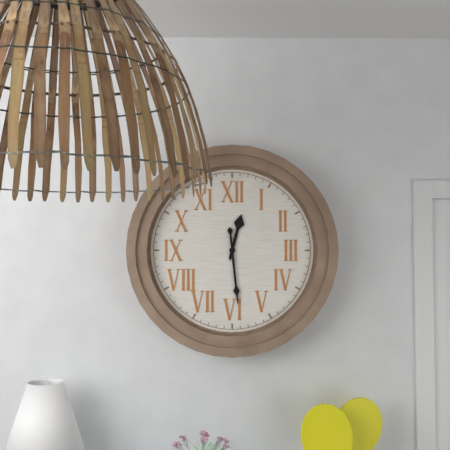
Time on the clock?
12:29
